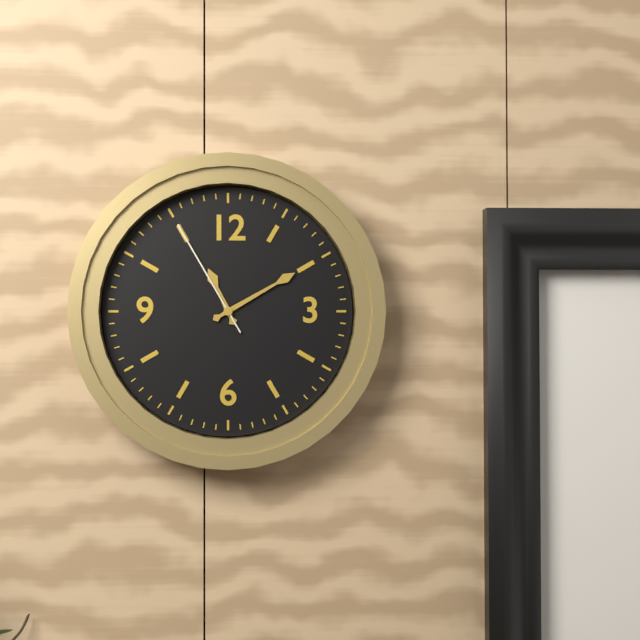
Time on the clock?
11:10:55
